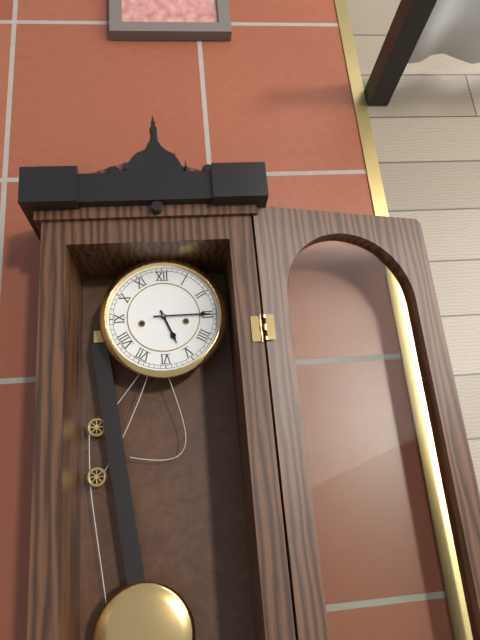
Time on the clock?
5:15
